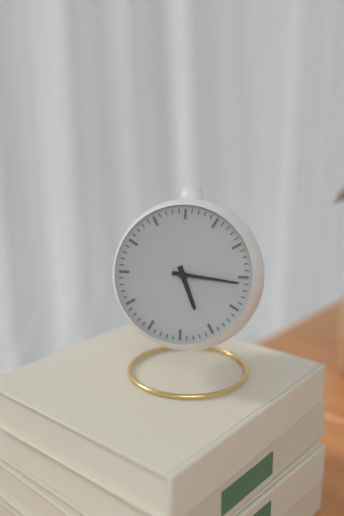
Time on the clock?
5:16
